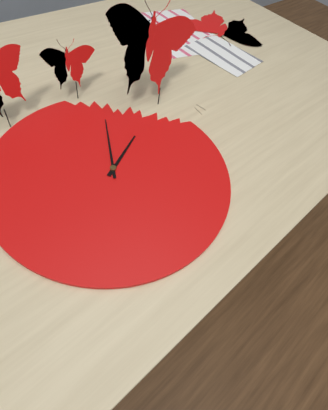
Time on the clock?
2:05
